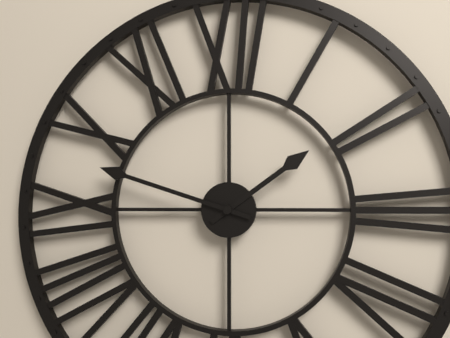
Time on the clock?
1:48
